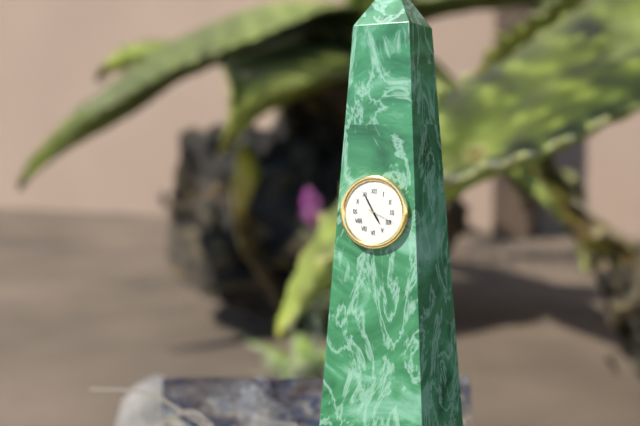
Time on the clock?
4:55
